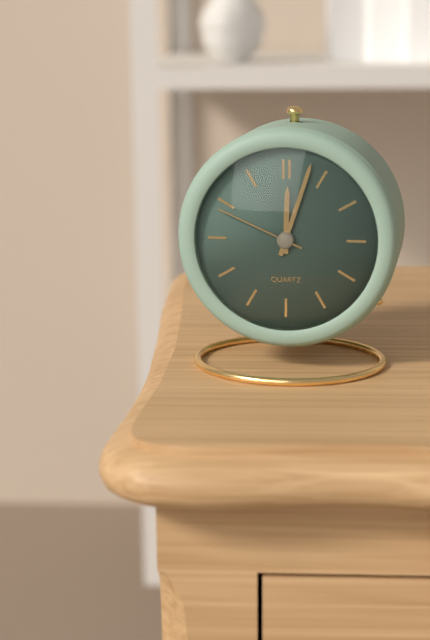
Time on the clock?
12:03:49
